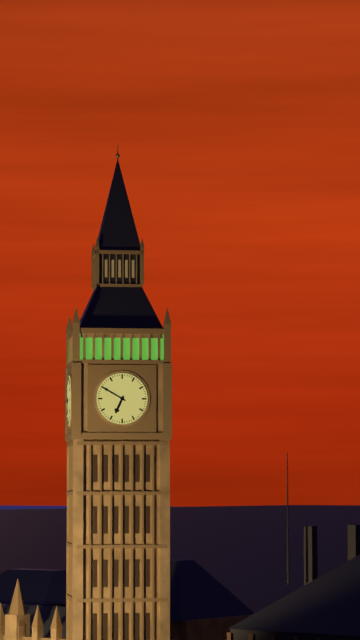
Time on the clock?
6:50
